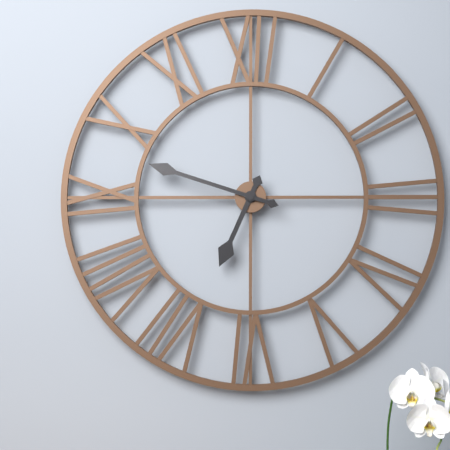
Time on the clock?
6:48
